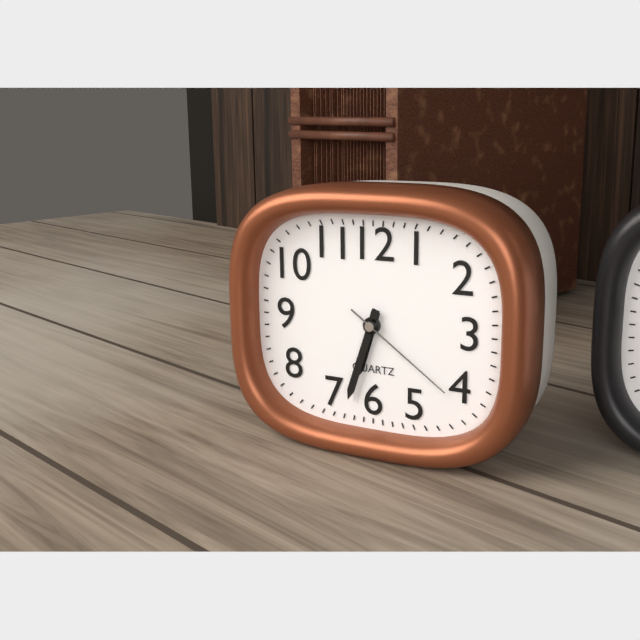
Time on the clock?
6:33:21
